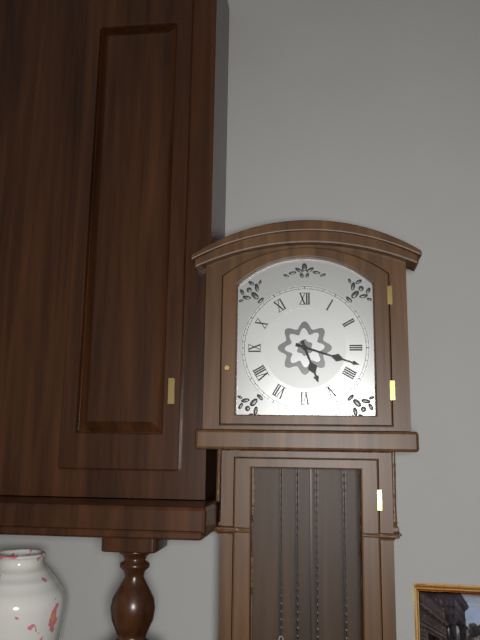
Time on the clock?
5:18
